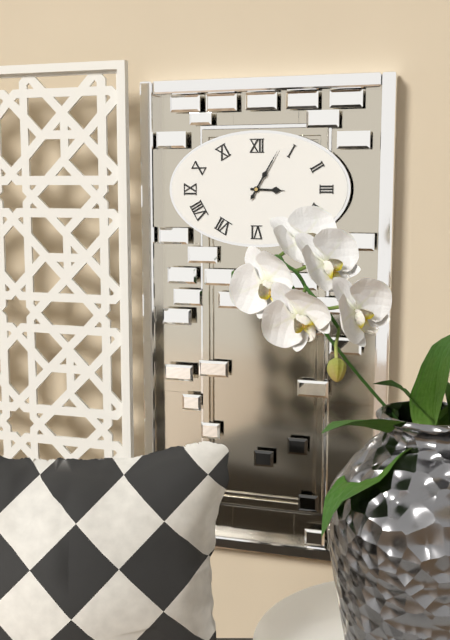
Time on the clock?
3:05
